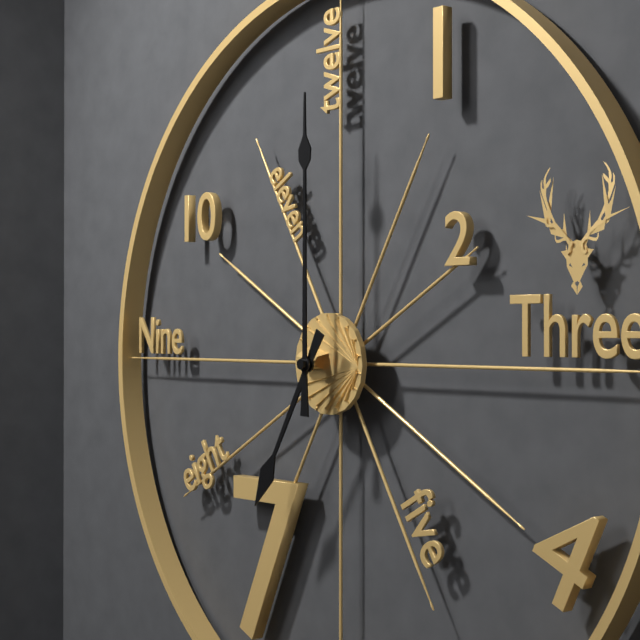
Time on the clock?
7:00
